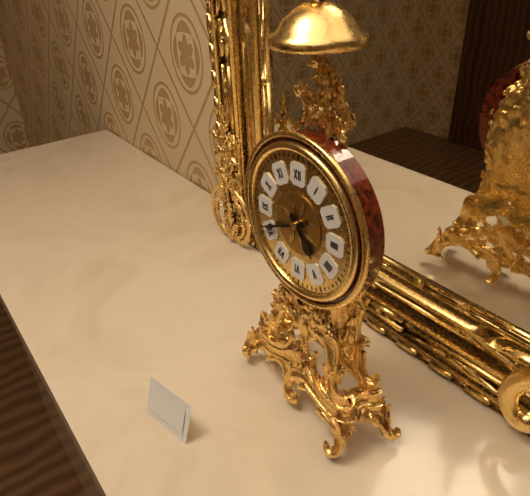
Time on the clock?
4:41
